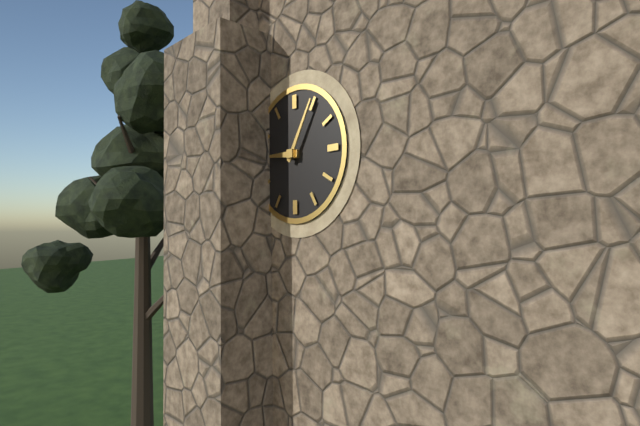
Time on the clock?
9:05
